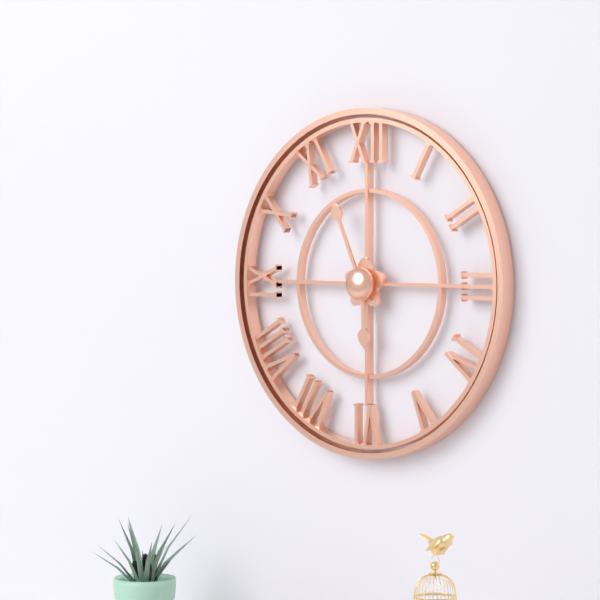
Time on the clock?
5:56
